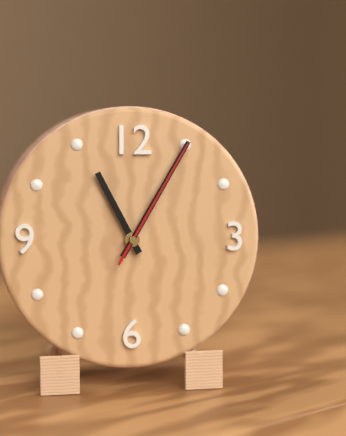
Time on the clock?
11:05:05
